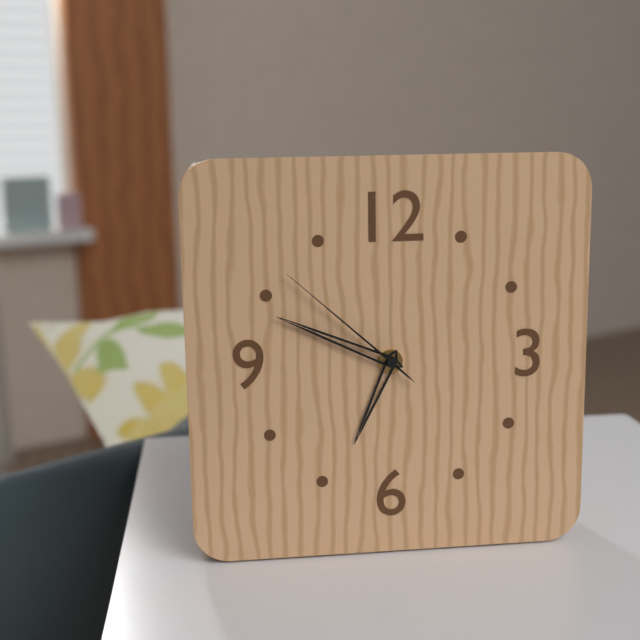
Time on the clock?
6:49:52
